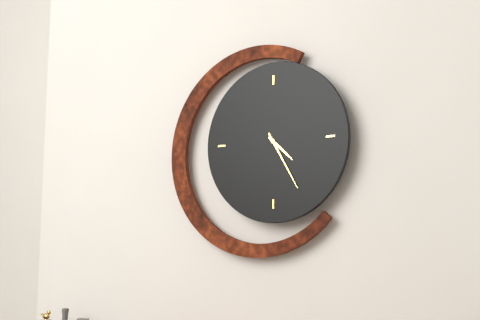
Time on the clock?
4:25
